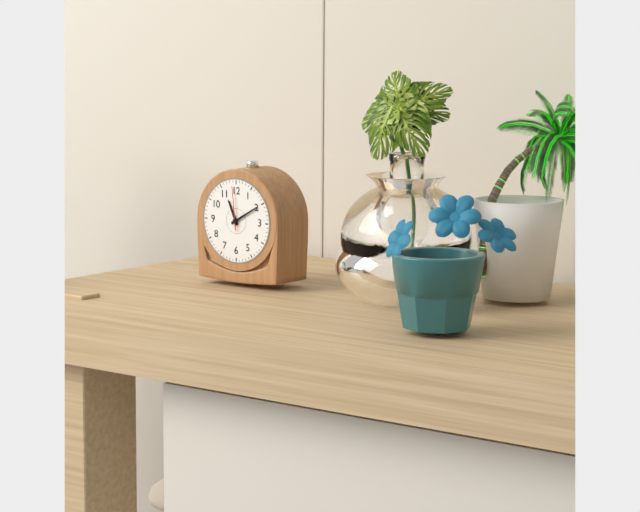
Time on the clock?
11:10
